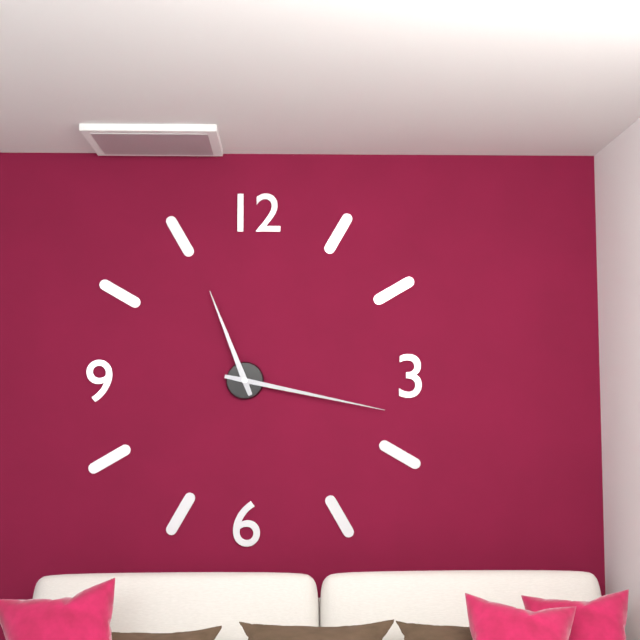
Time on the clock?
11:17
